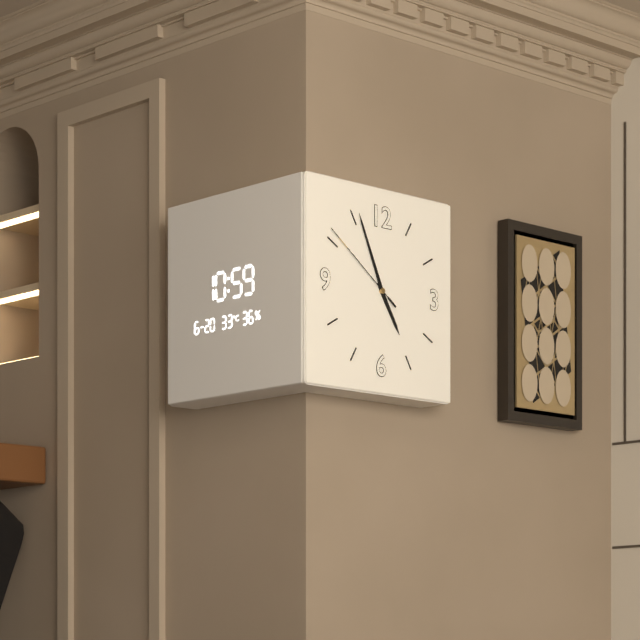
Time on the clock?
4:56:51
